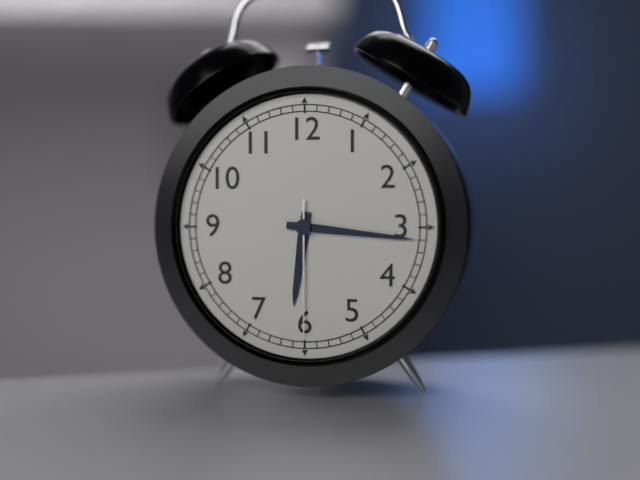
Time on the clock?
6:16:30
